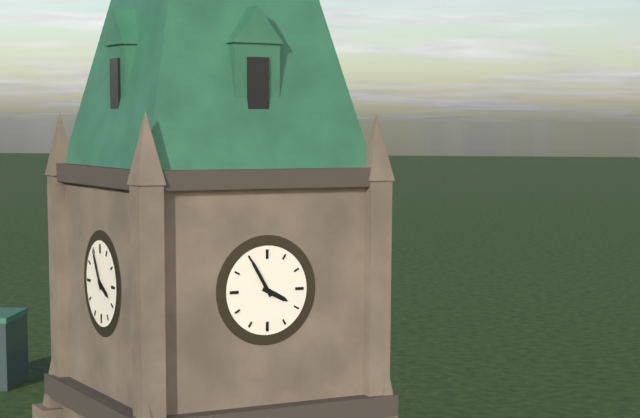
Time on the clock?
3:55
